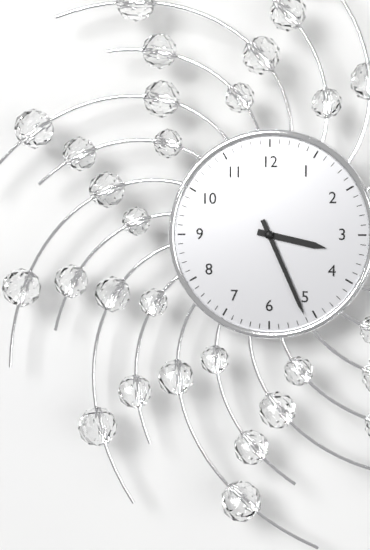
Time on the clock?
3:26
